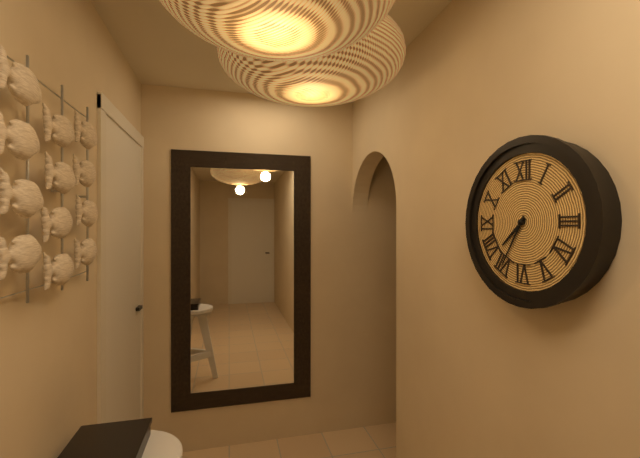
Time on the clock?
7:35
